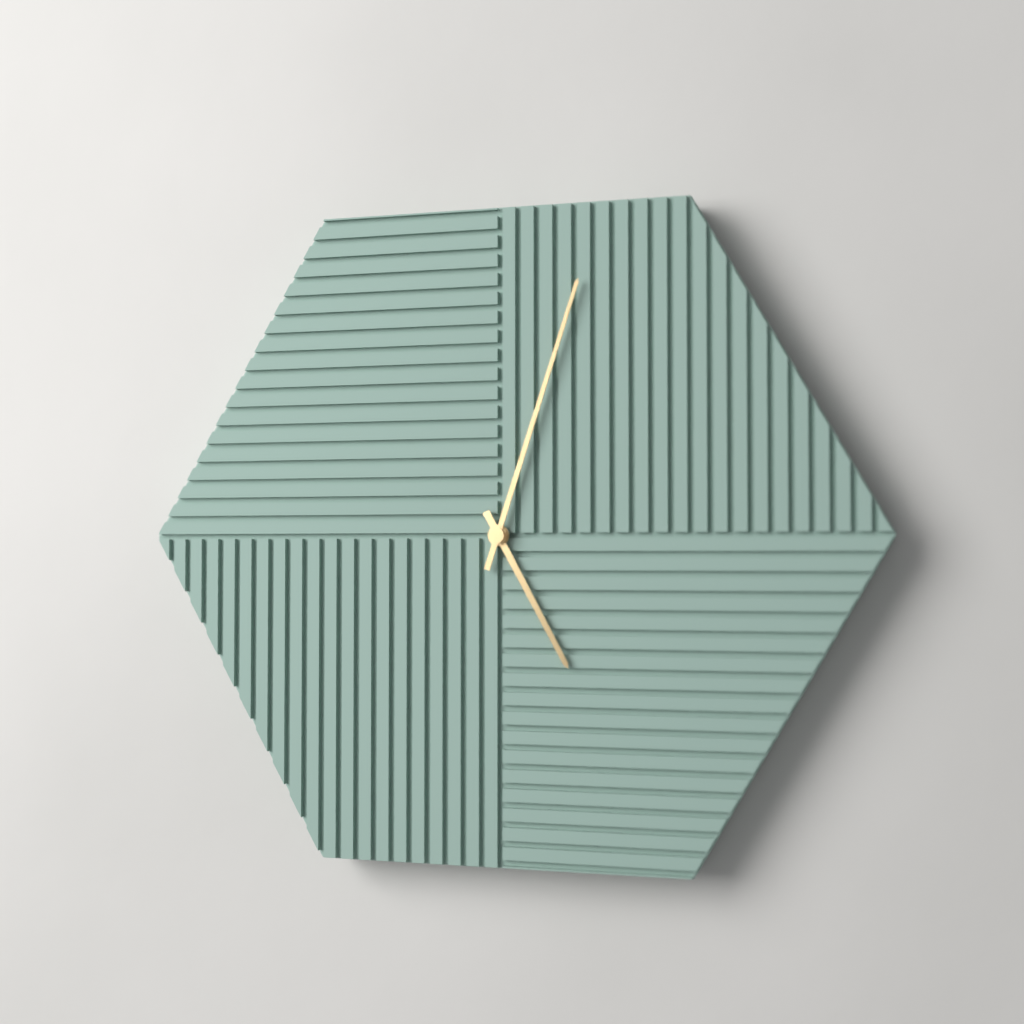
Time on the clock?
5:03
